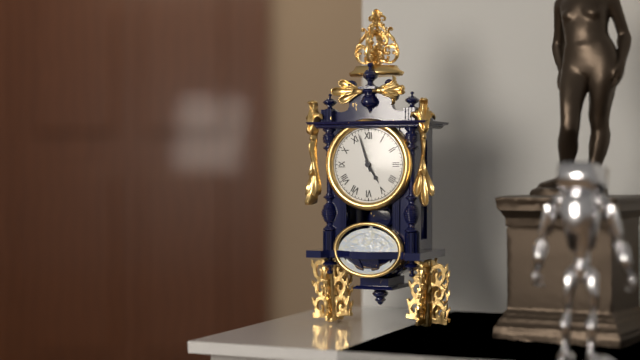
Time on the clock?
4:57
